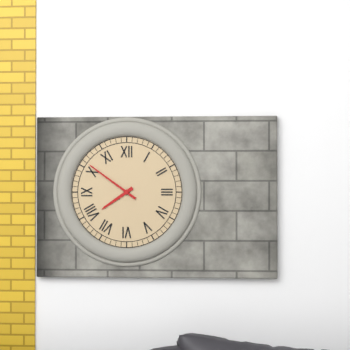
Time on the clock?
7:51
